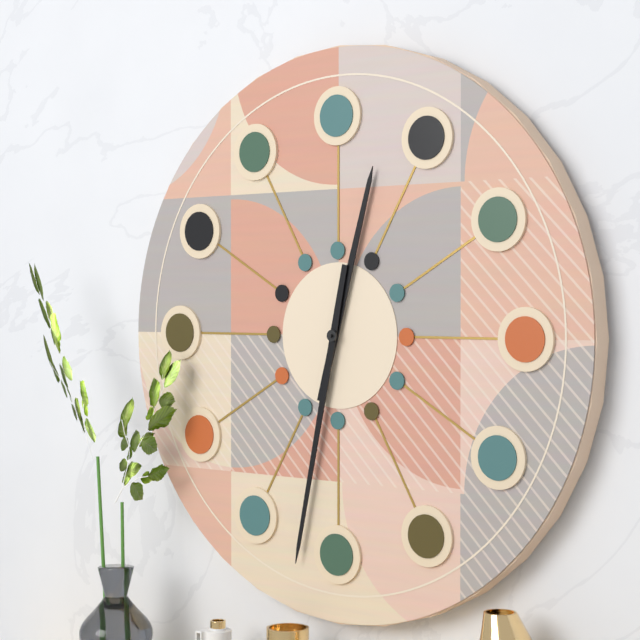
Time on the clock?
12:32
